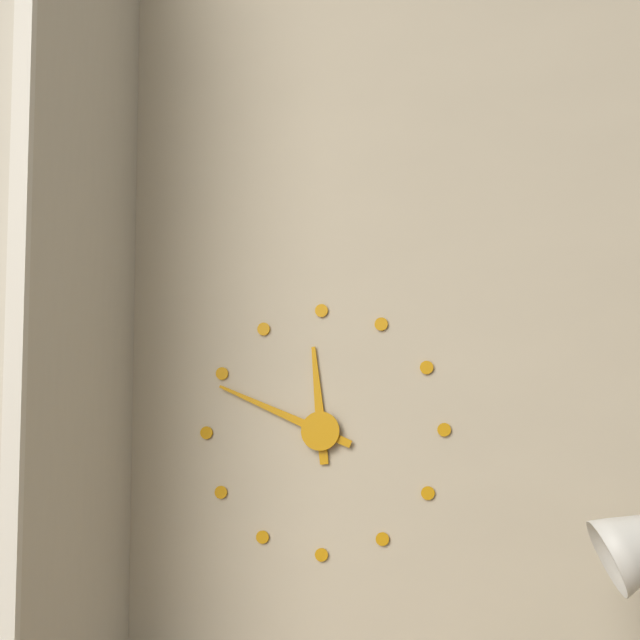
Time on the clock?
11:49
